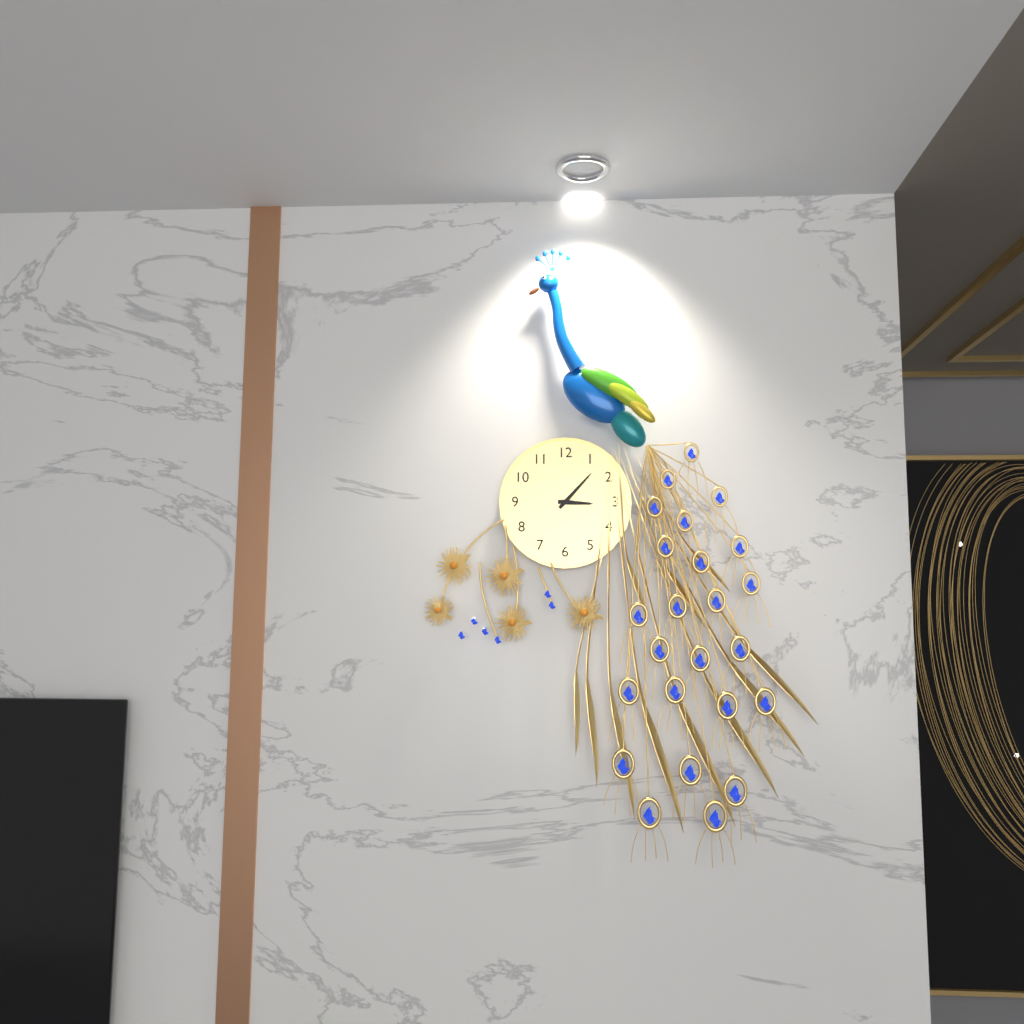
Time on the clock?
3:07
